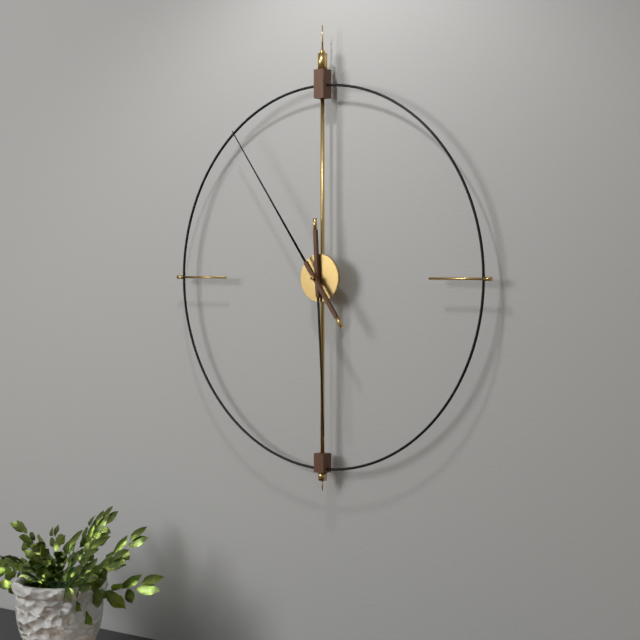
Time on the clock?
5:54
